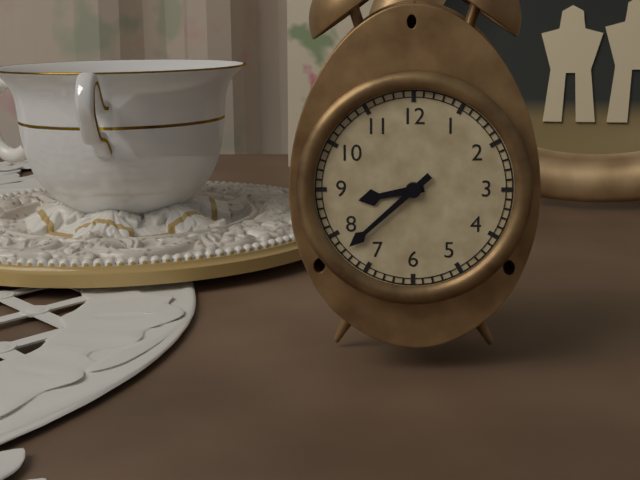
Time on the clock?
8:38
